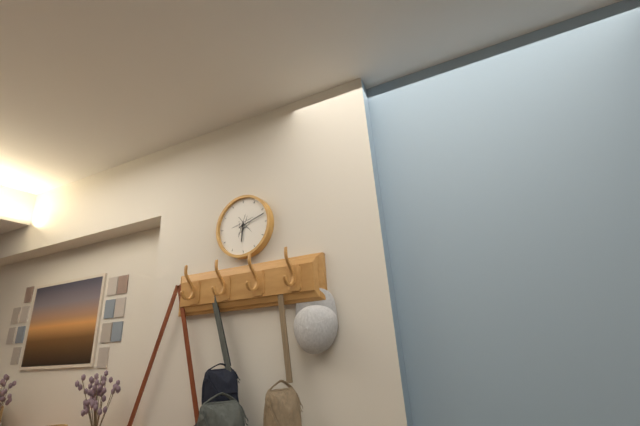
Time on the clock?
6:12
